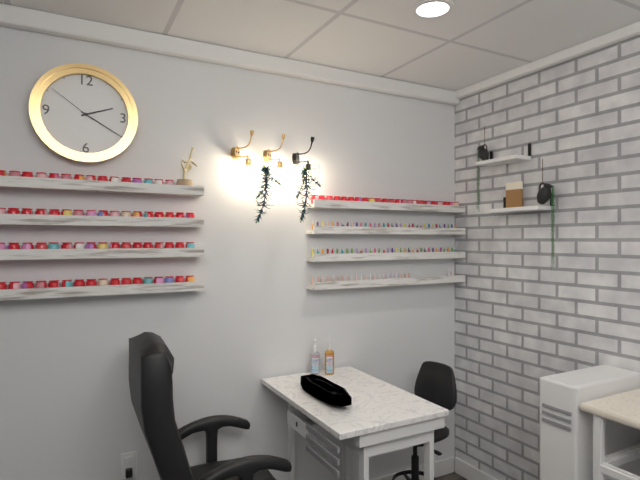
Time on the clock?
2:20:51
